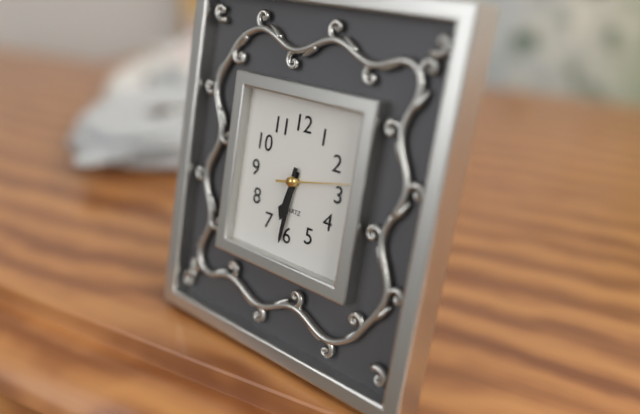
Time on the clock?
6:31:13
